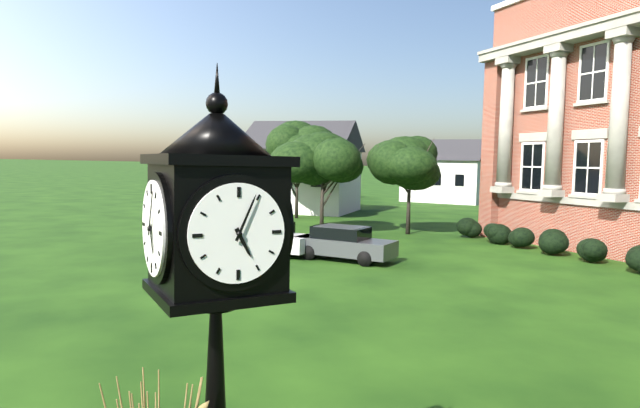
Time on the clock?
5:04
